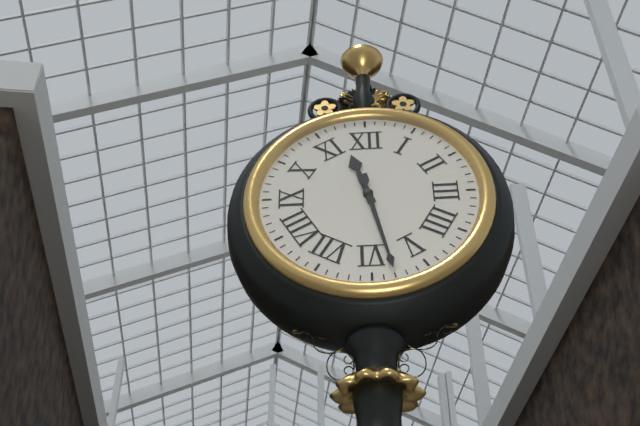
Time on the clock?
11:28
